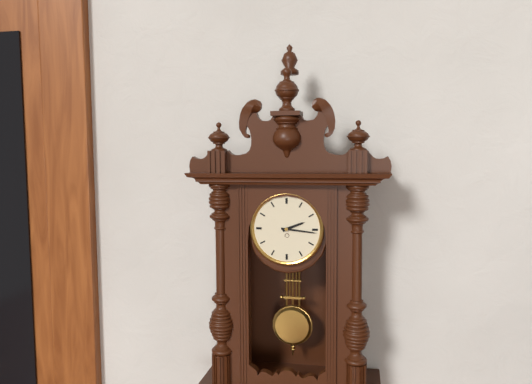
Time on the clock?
2:16
